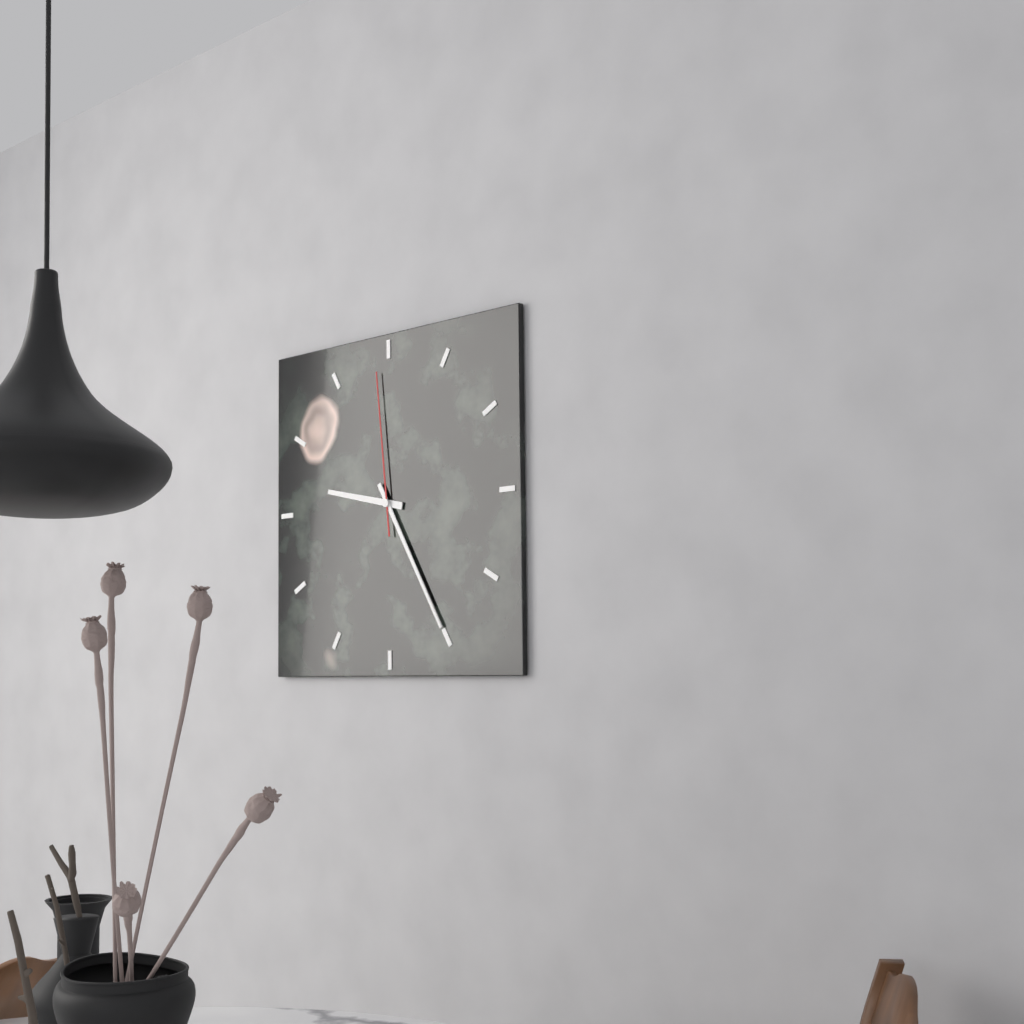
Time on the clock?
9:25:59
